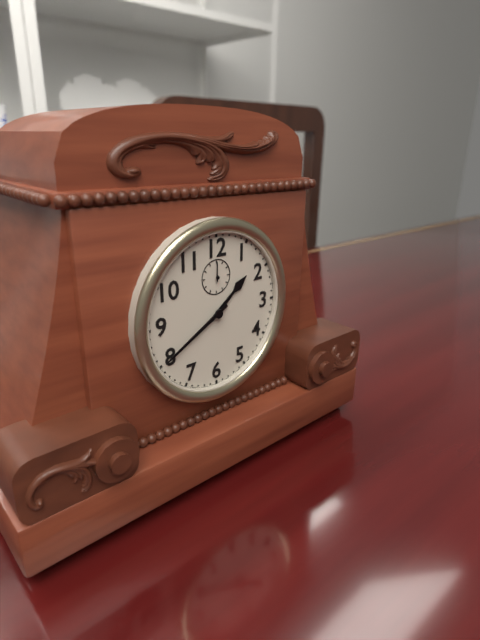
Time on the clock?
1:40
